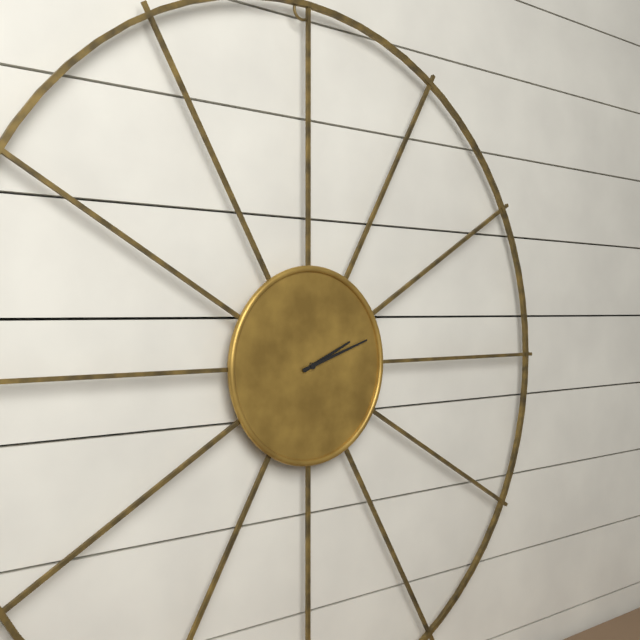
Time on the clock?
2:12
